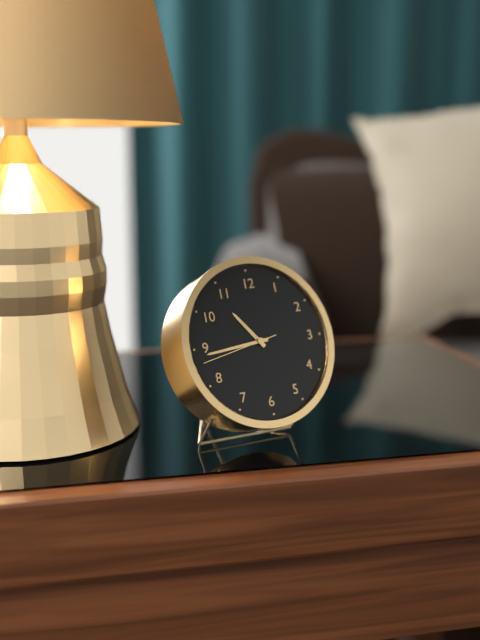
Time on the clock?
10:44:43
